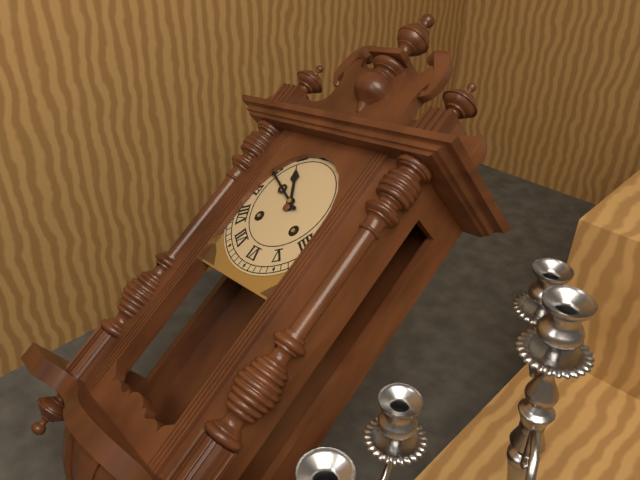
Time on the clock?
10:49
